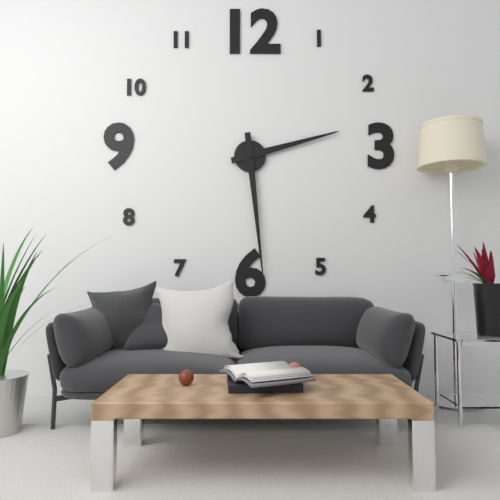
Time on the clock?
2:29
